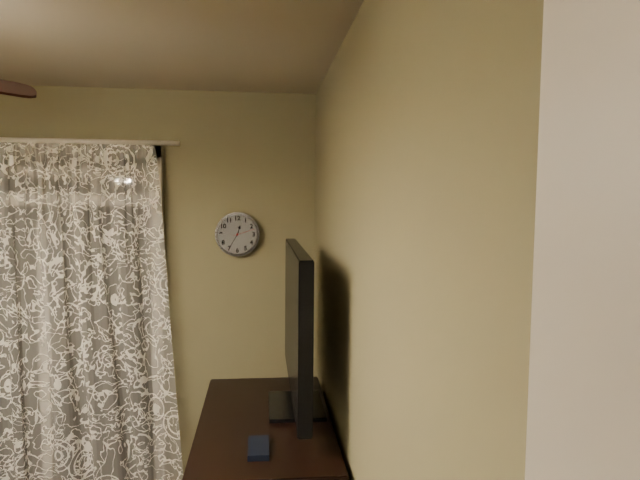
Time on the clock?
12:35
